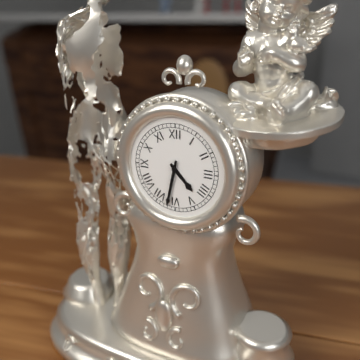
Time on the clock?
4:32
